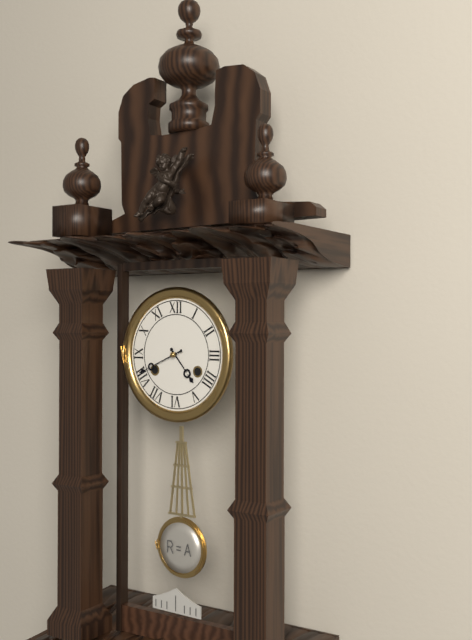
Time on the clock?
4:41
